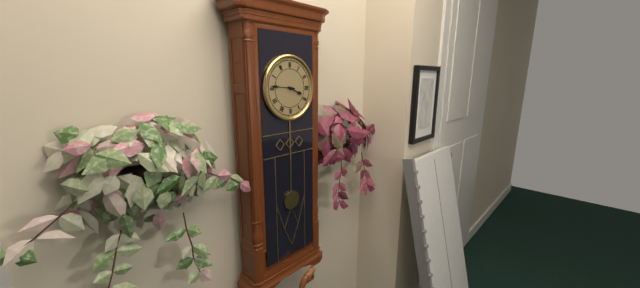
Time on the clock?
3:46
